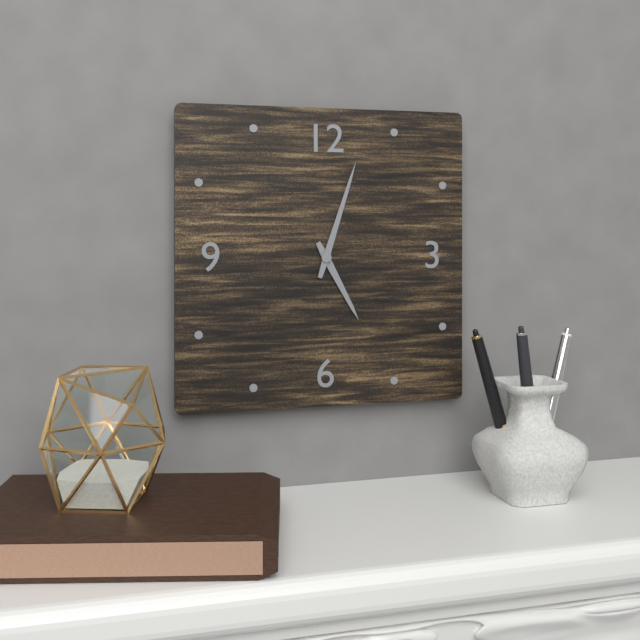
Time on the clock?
5:03
